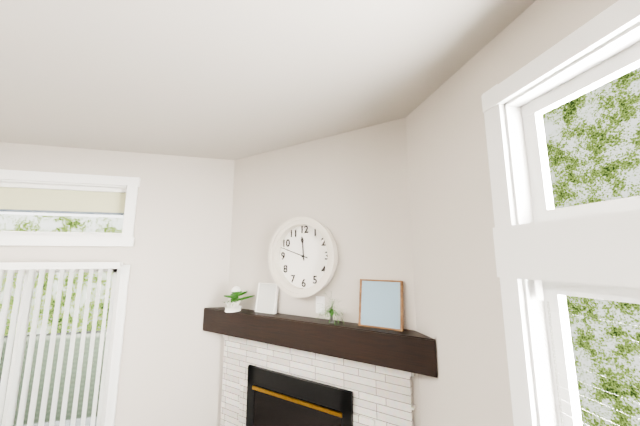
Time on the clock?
11:48
